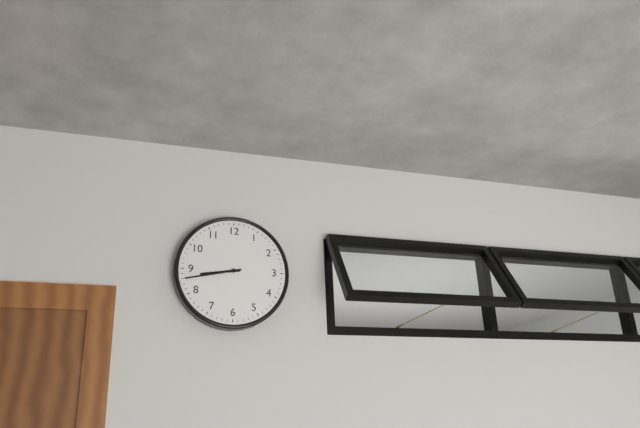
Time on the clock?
8:43
